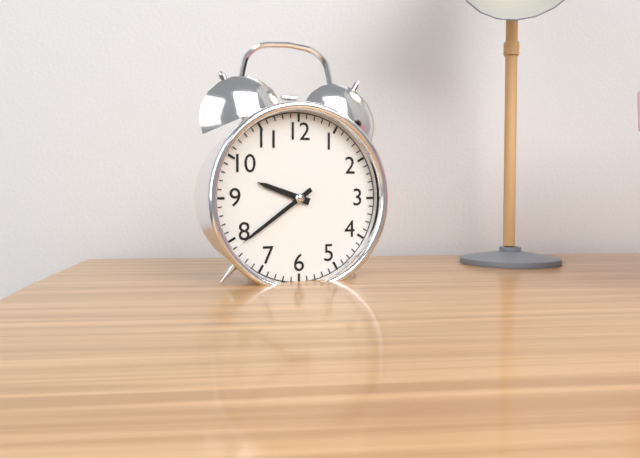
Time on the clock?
9:39
